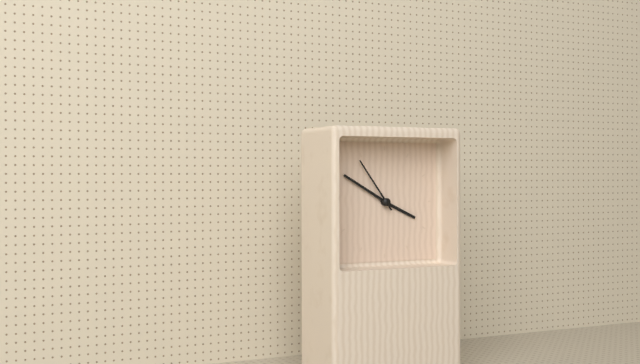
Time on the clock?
3:50:54
